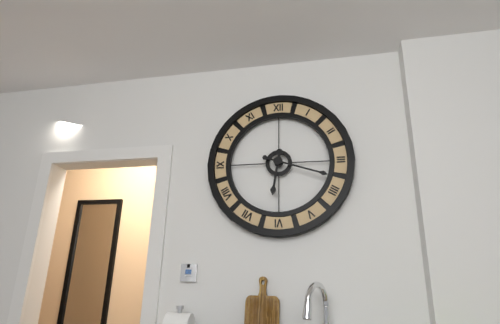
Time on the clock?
6:18
